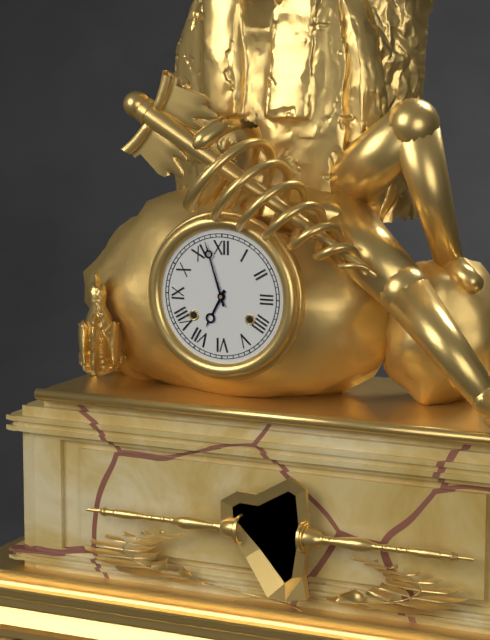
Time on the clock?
6:57
